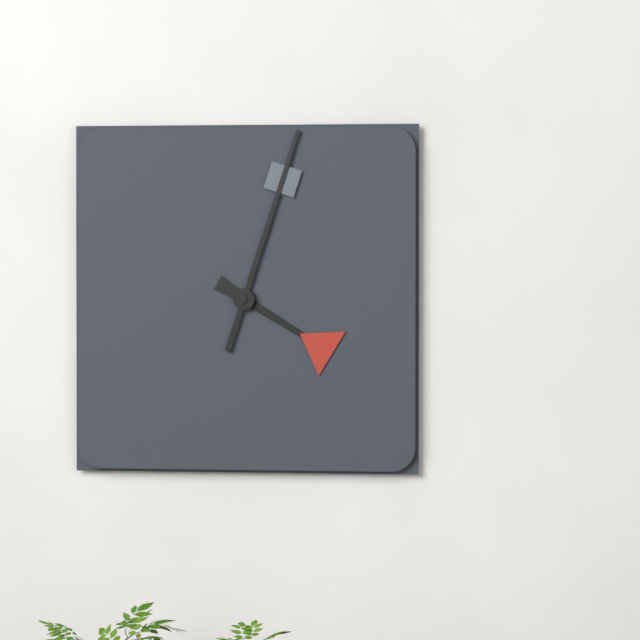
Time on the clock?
4:03
